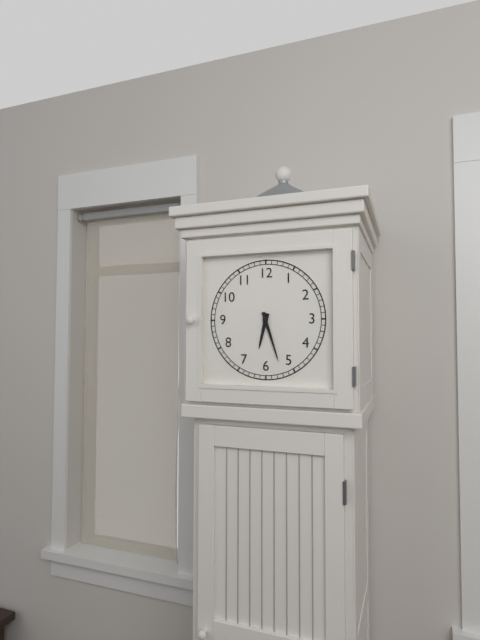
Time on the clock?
6:27
